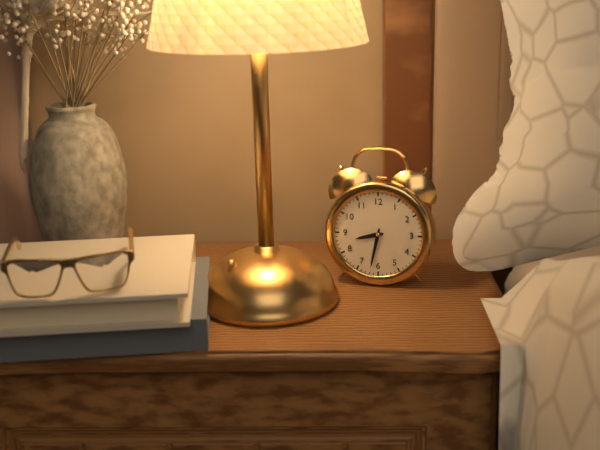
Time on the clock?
8:32
